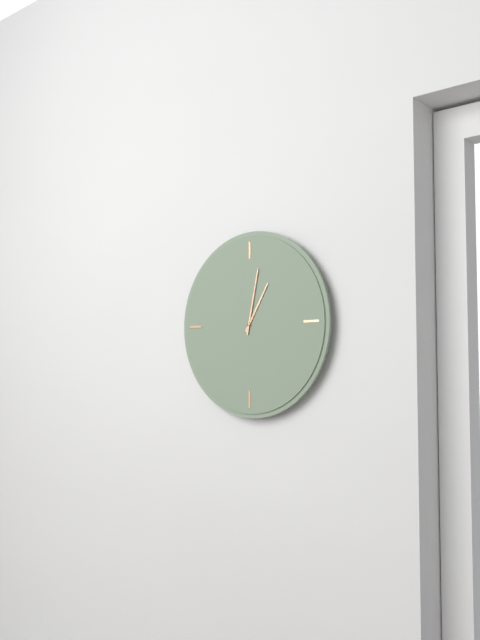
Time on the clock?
1:02
